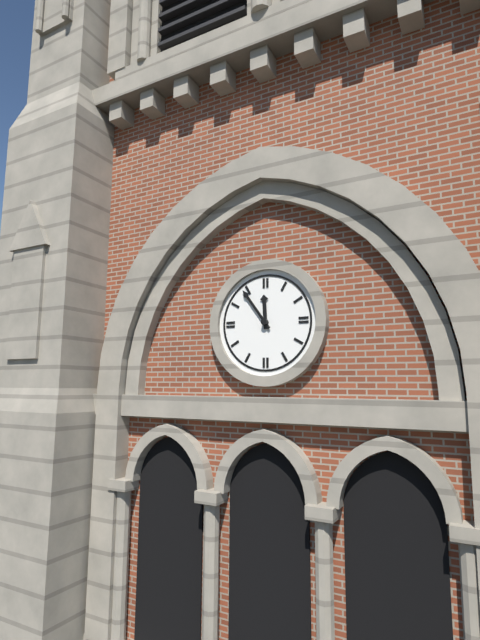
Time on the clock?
11:54
